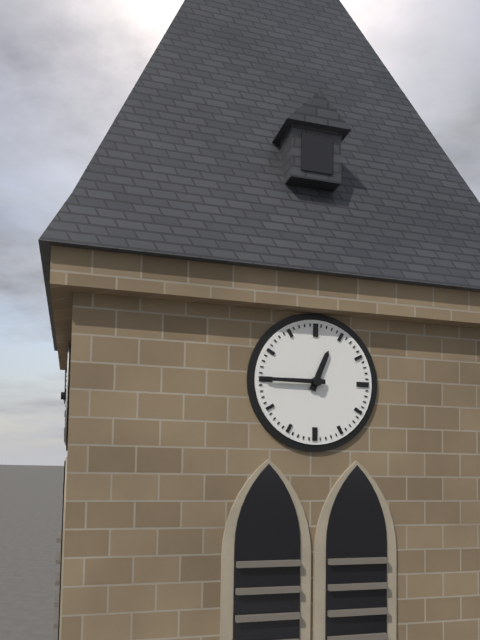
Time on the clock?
12:45
